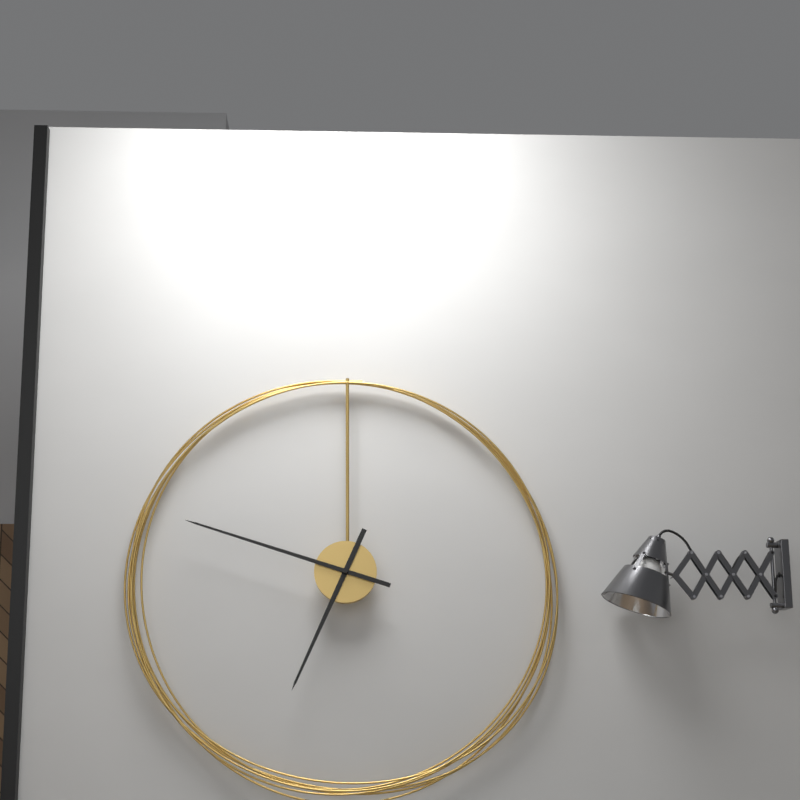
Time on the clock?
6:48
